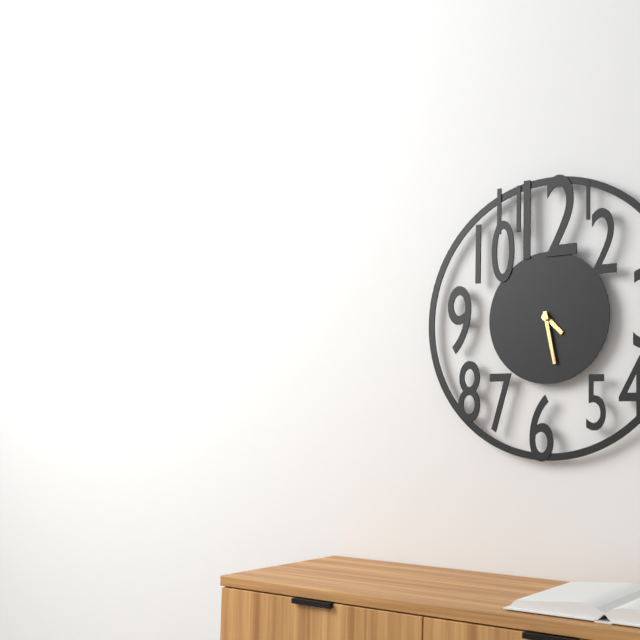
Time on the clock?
4:28
